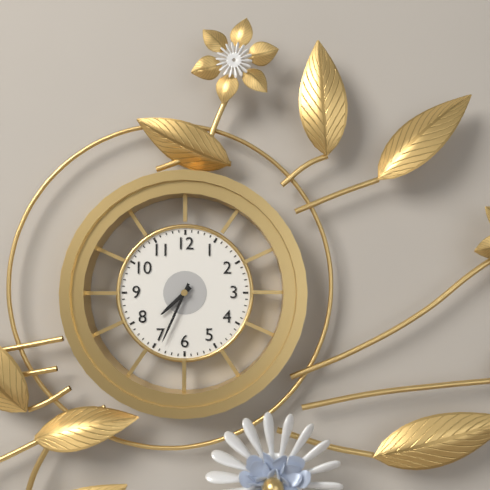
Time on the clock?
7:34
